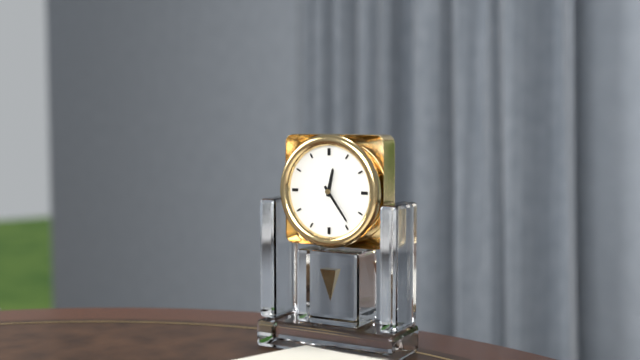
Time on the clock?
12:24
